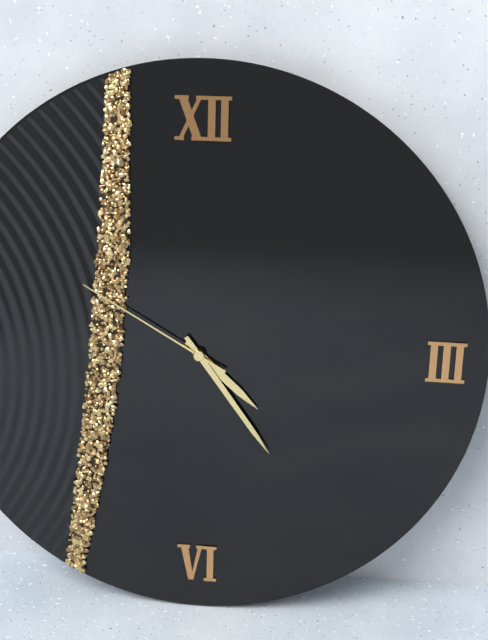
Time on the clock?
4:24:50
